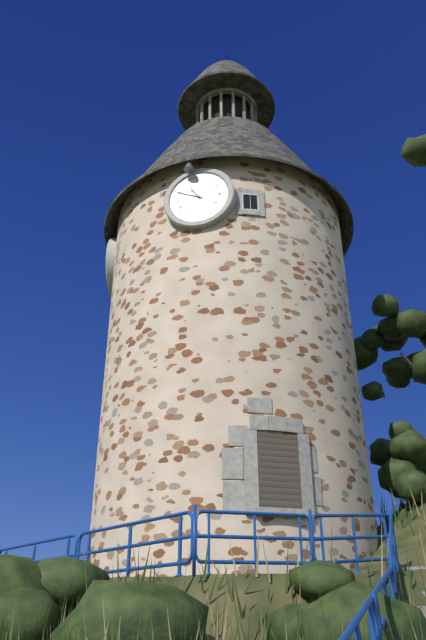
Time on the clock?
10:49
